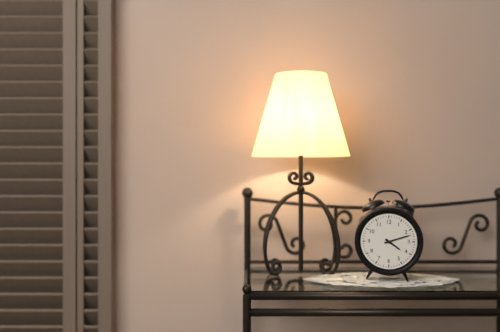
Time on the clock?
4:12
